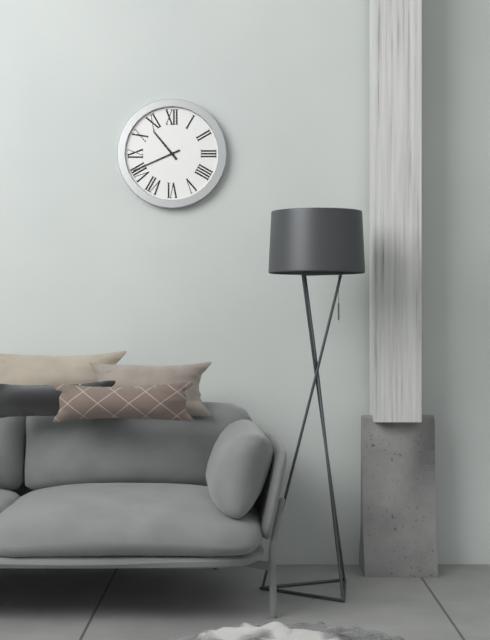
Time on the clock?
10:41
